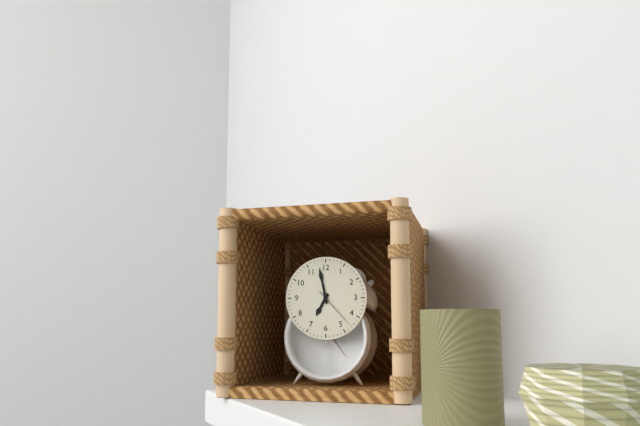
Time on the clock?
6:58
